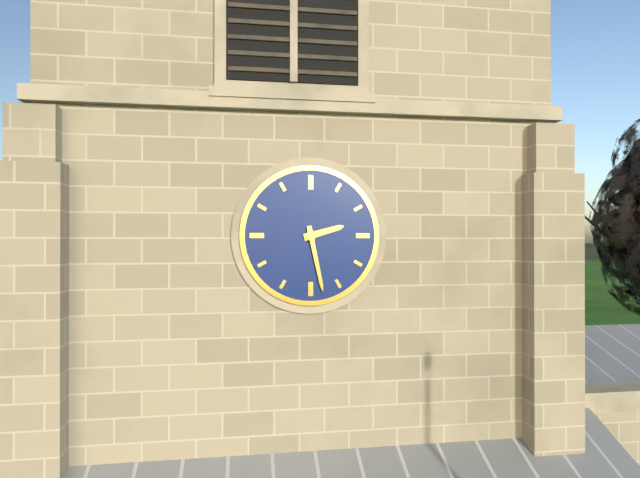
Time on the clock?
2:28
